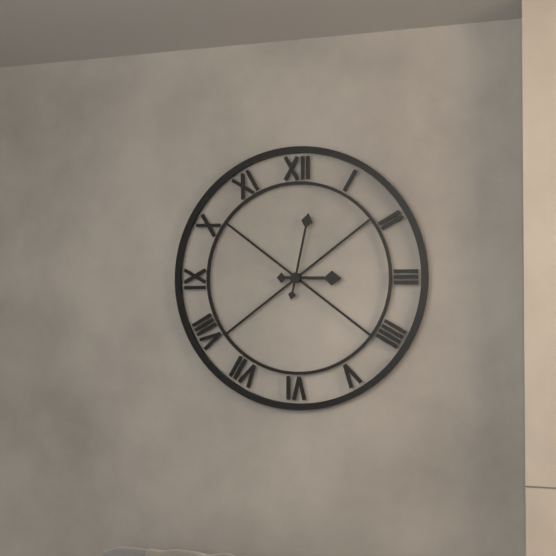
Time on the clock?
3:02
